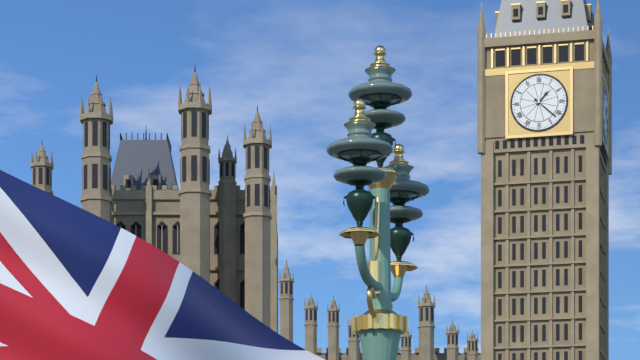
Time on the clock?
1:22
